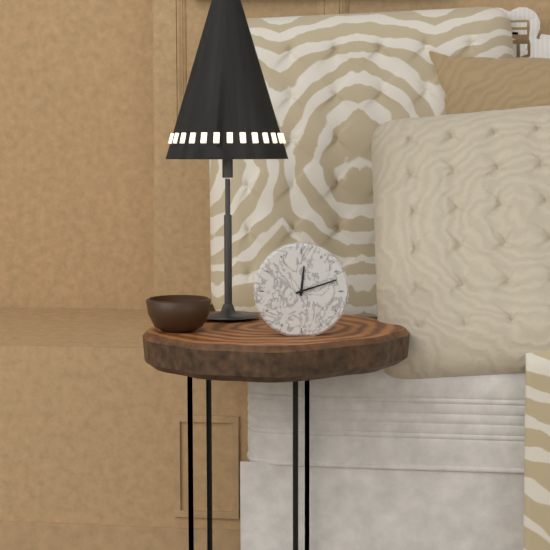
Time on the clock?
12:12
